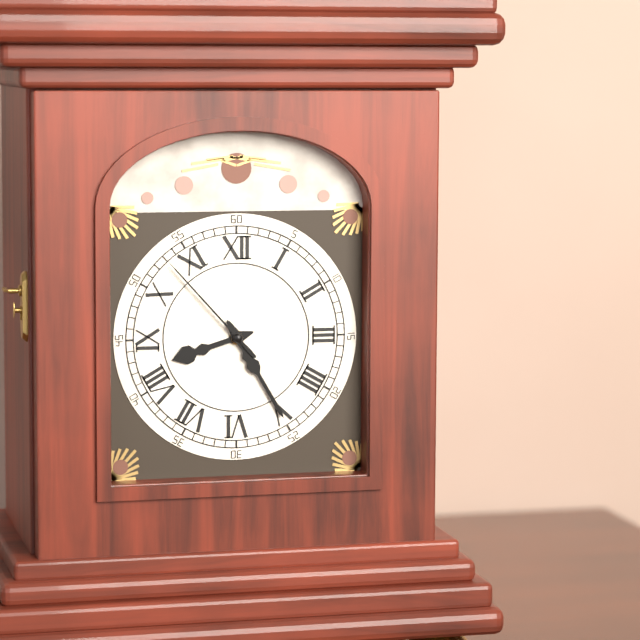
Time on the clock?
8:25:53
